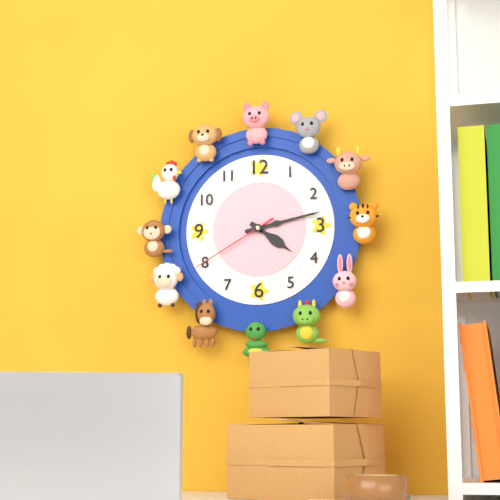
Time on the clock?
4:13:40
